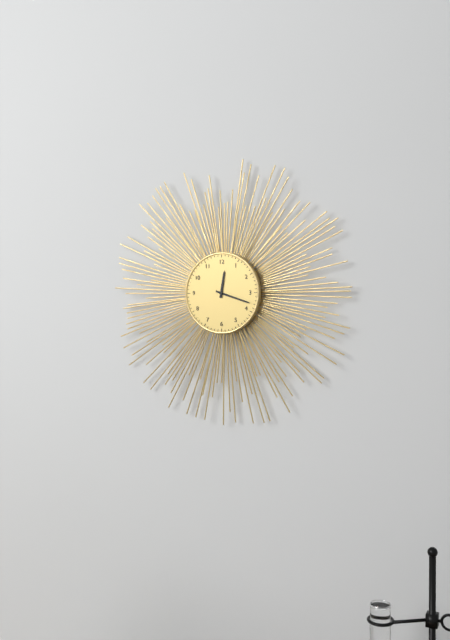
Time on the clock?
12:18
